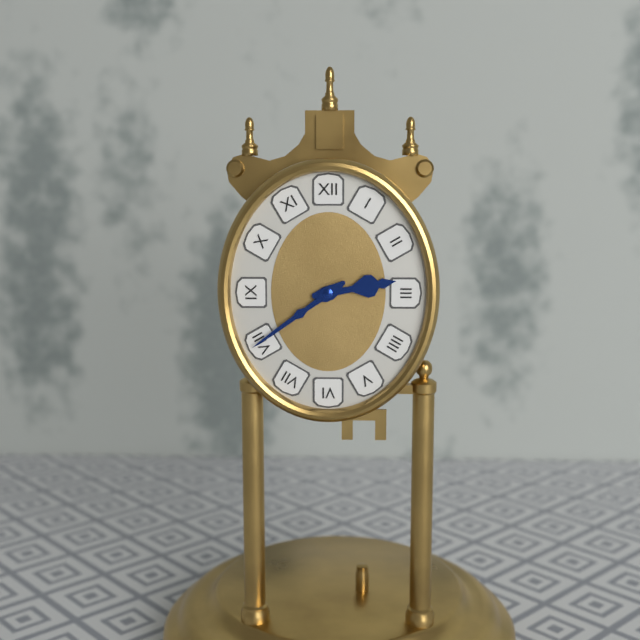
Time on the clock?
2:39
